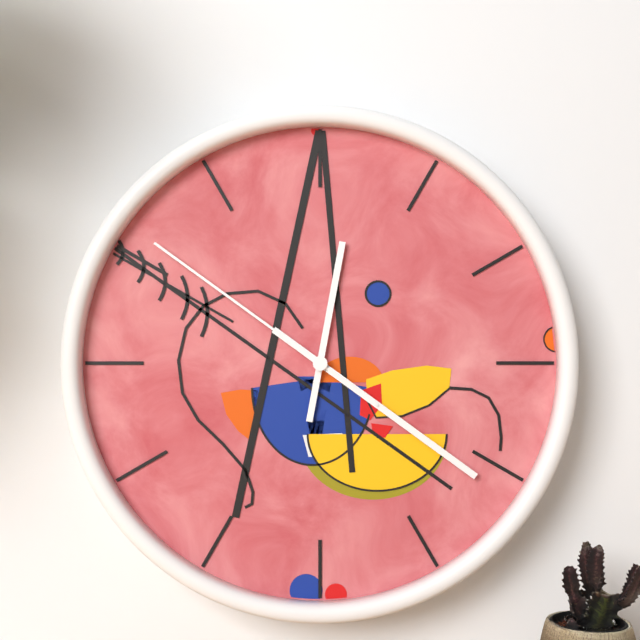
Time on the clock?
12:21:51
